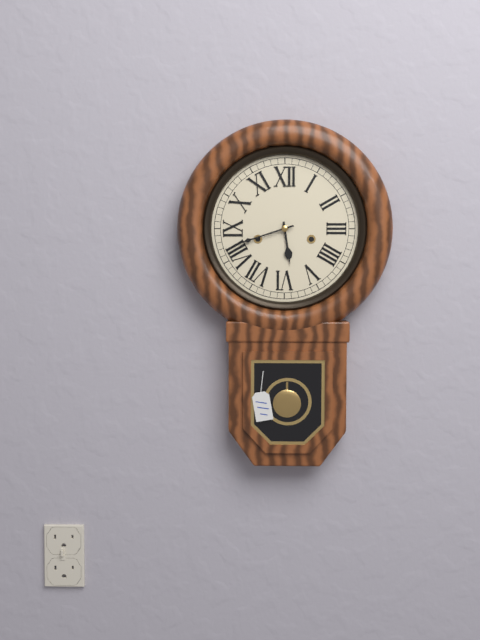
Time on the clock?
5:42
